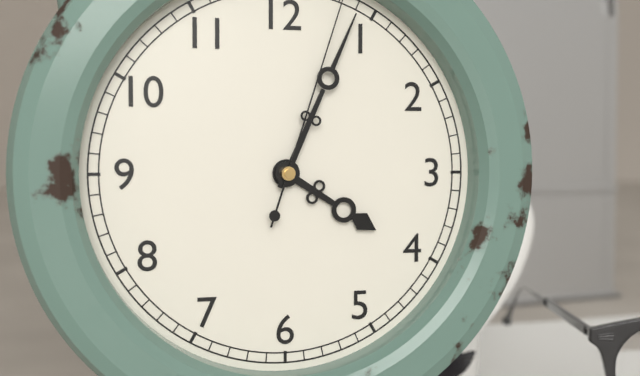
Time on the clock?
4:04
